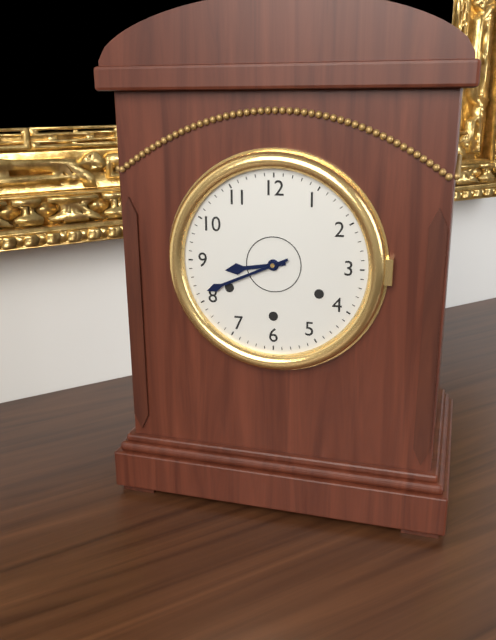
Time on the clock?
8:41
